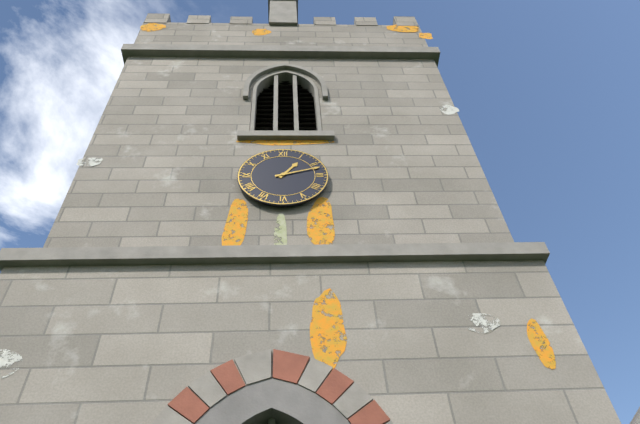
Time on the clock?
1:12
